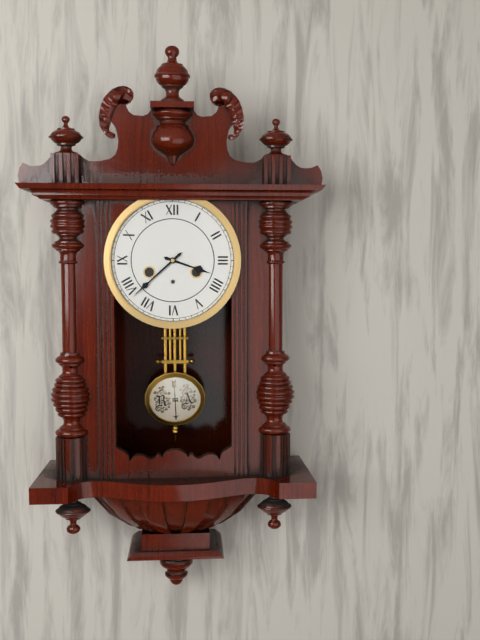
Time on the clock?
3:38
